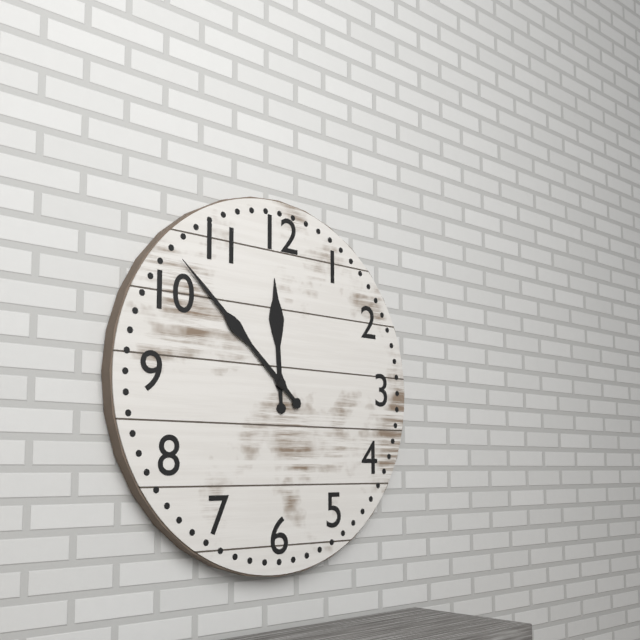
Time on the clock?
11:52
